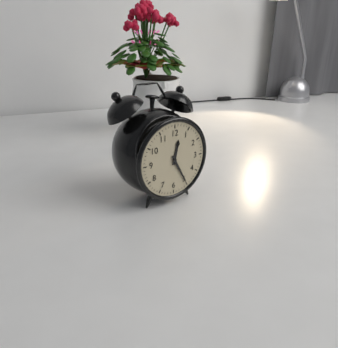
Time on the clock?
12:25
